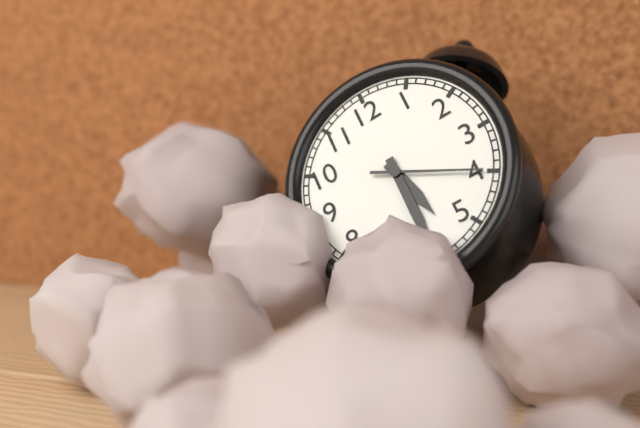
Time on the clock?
5:30:20
